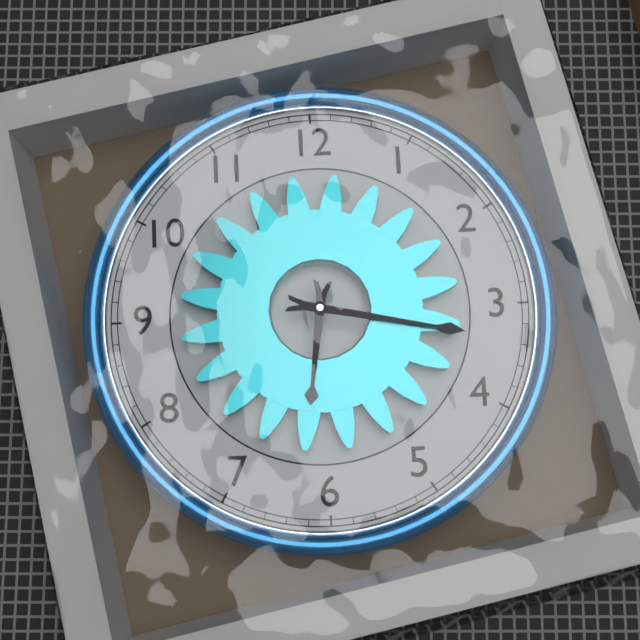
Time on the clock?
6:17
